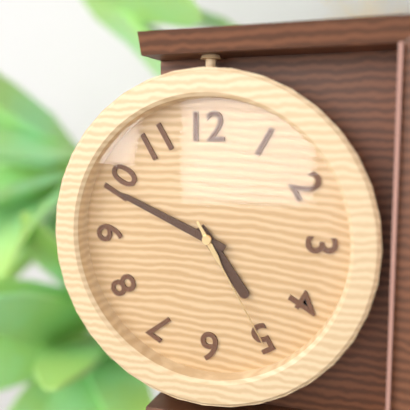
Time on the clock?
4:49:25
